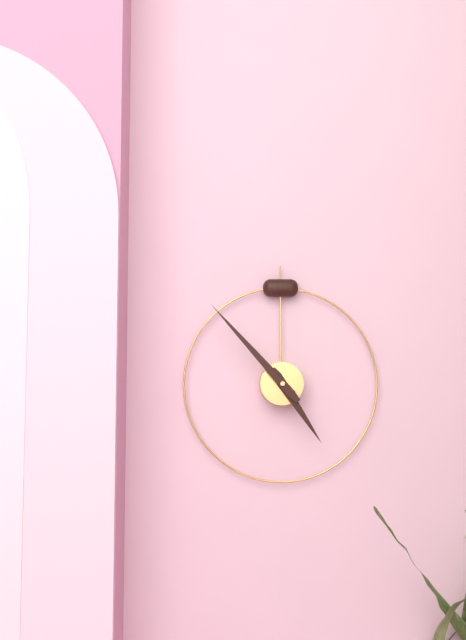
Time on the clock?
4:53
